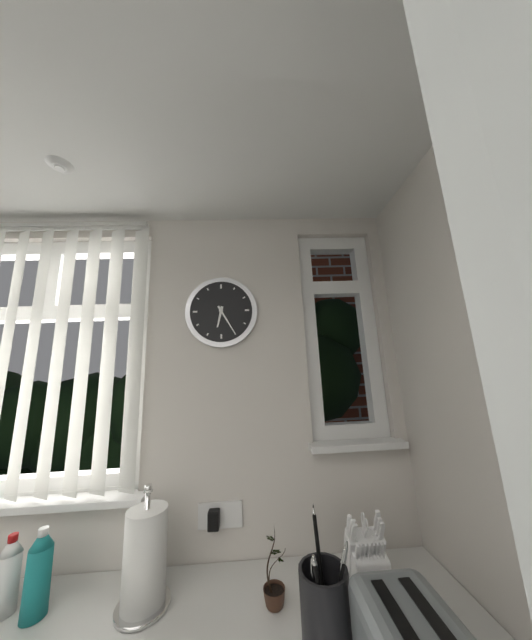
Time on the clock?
6:25
